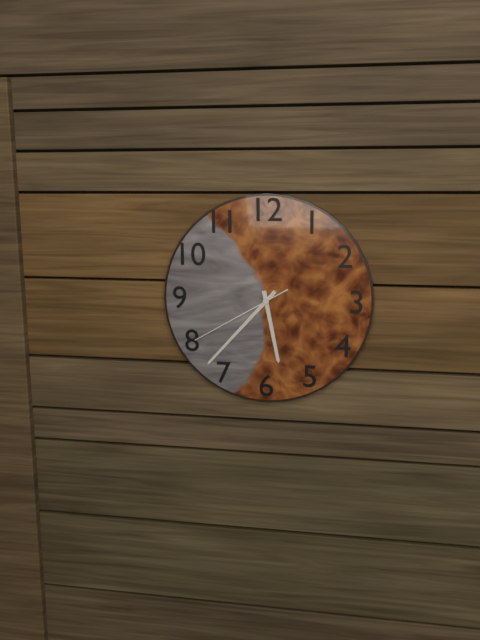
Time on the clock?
5:37:40
